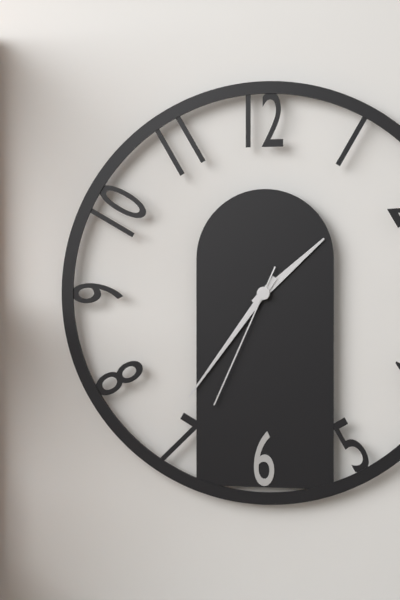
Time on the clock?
1:36:34
